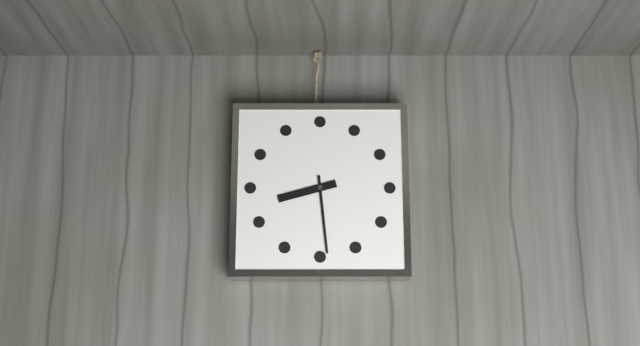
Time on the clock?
8:29
